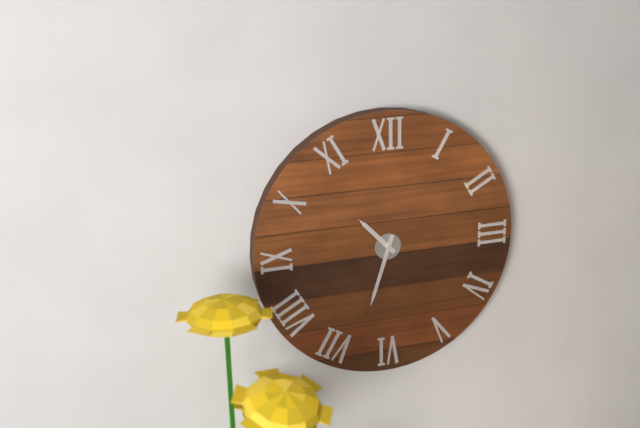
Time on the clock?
10:33
